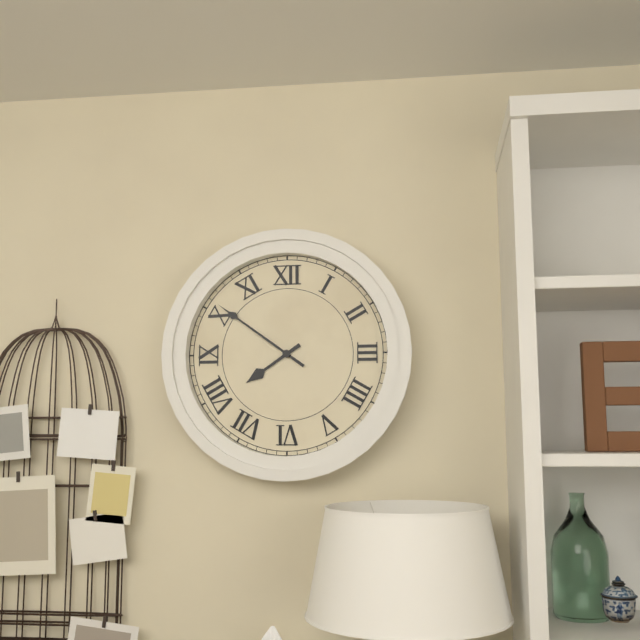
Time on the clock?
7:51
